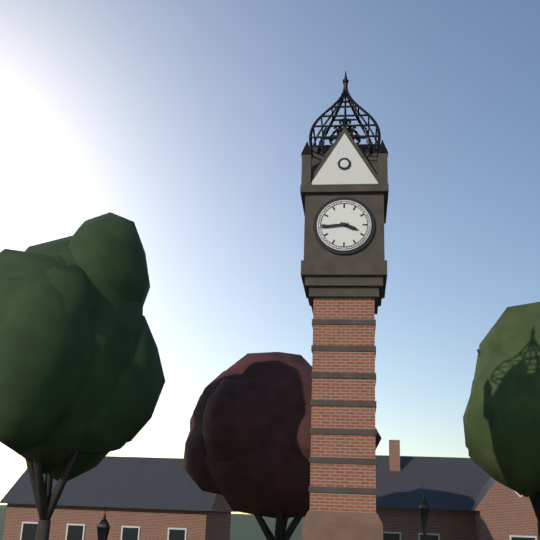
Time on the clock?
3:44
